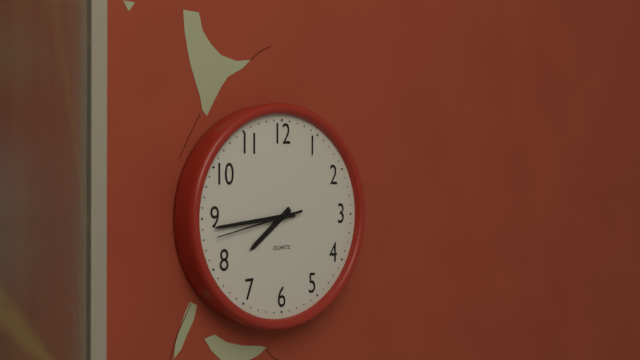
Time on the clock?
7:44:43
